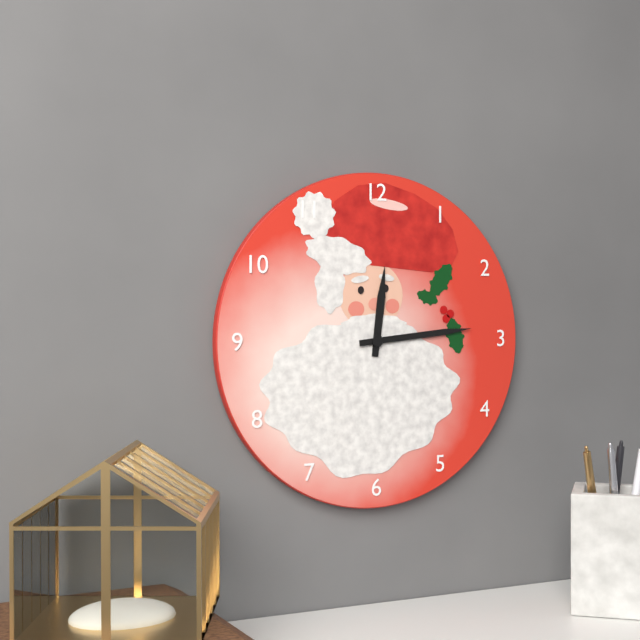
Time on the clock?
12:14
